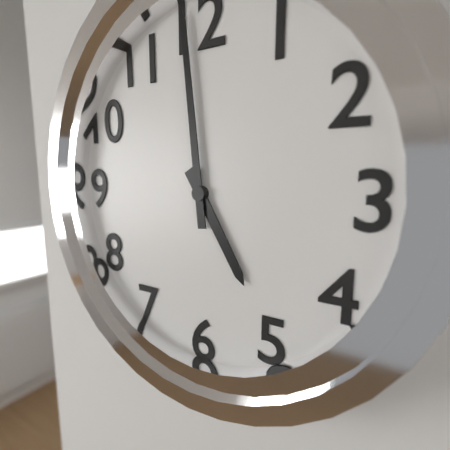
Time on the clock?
4:59
